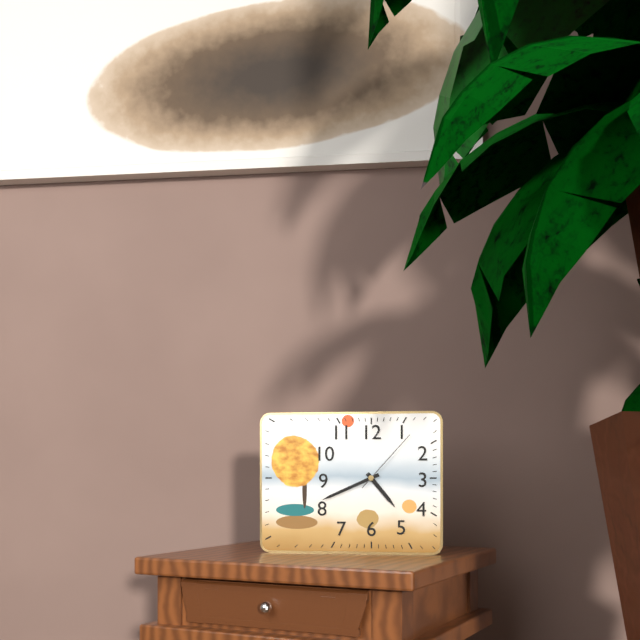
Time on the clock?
4:41:07
